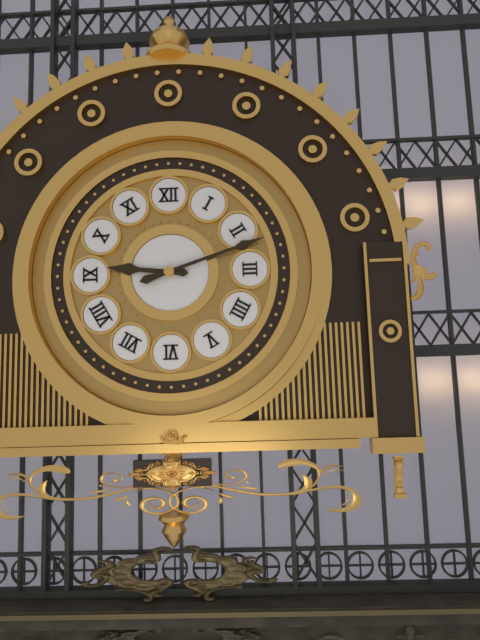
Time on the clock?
9:12
